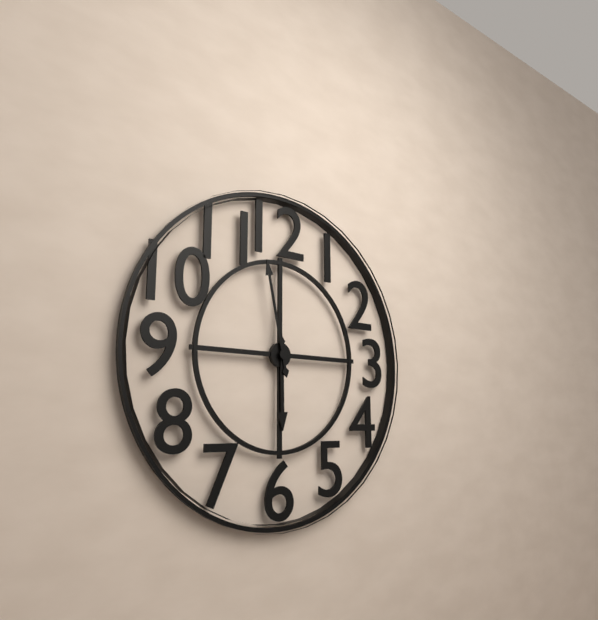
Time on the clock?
5:58
